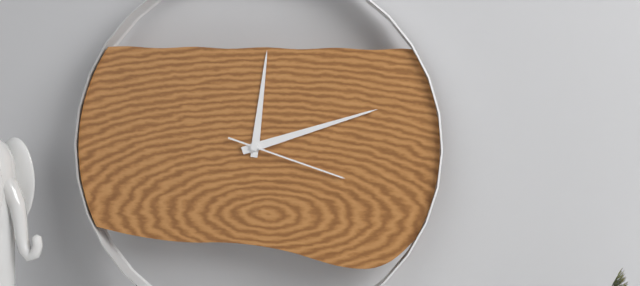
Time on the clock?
12:12:18
